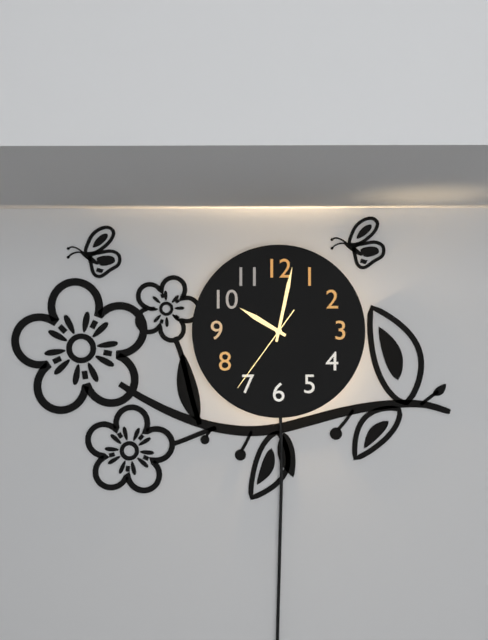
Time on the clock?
10:02:36
